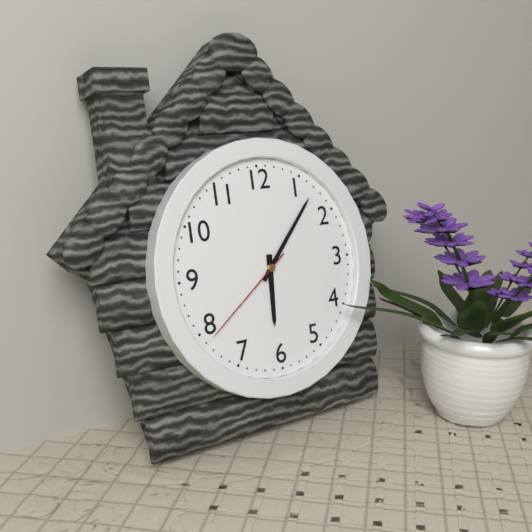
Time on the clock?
6:07:39
